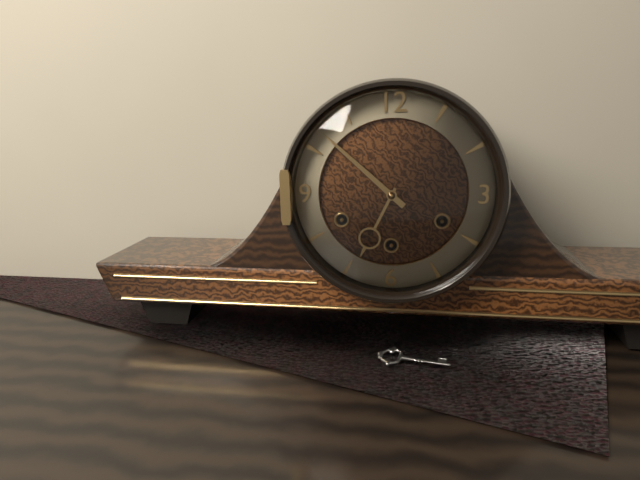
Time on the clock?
6:52
